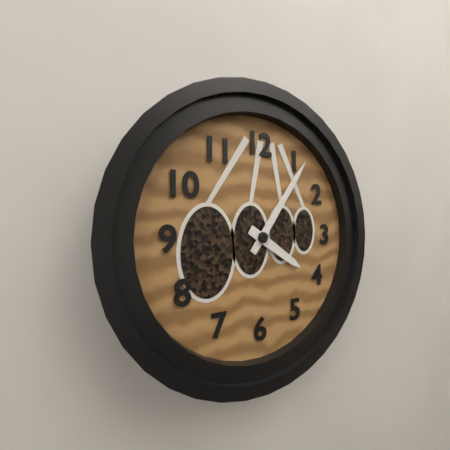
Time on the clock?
4:06
